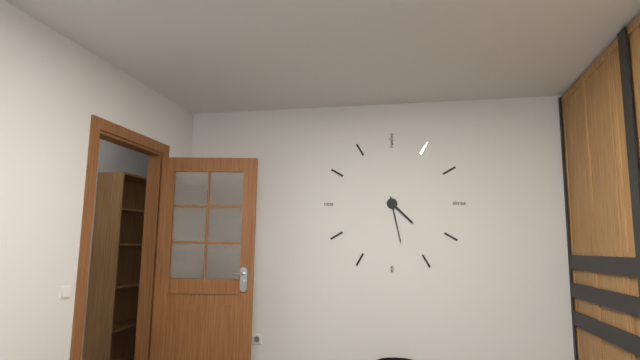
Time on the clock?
4:28
